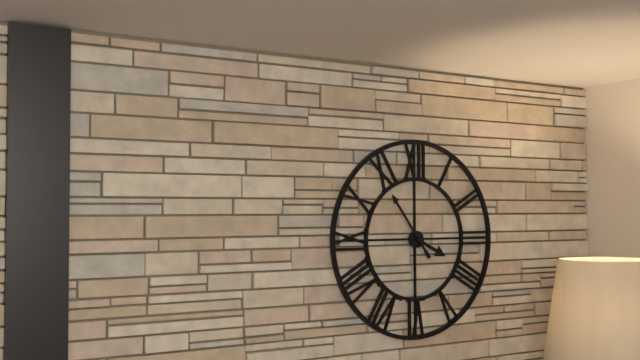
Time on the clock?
3:54
